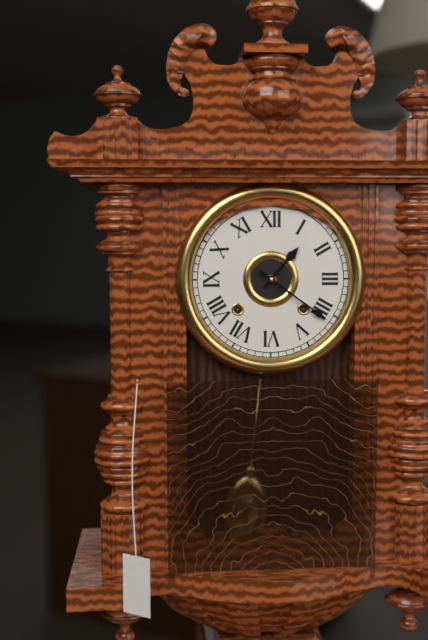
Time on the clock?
1:21
